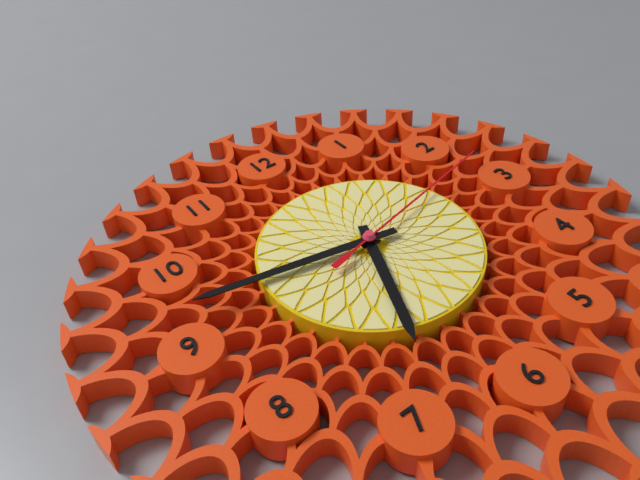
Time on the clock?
6:47:13
